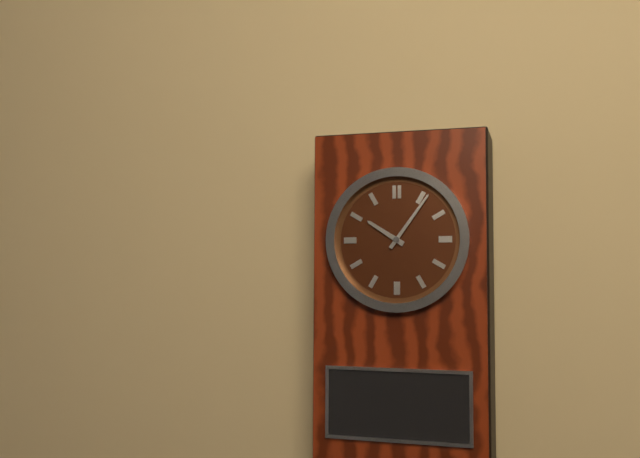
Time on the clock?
10:06
